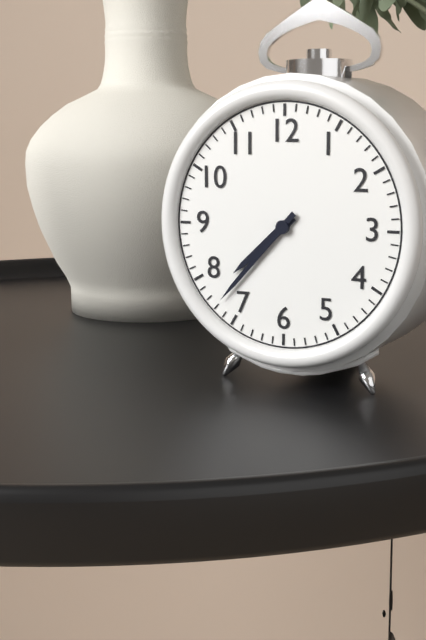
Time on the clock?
7:37
